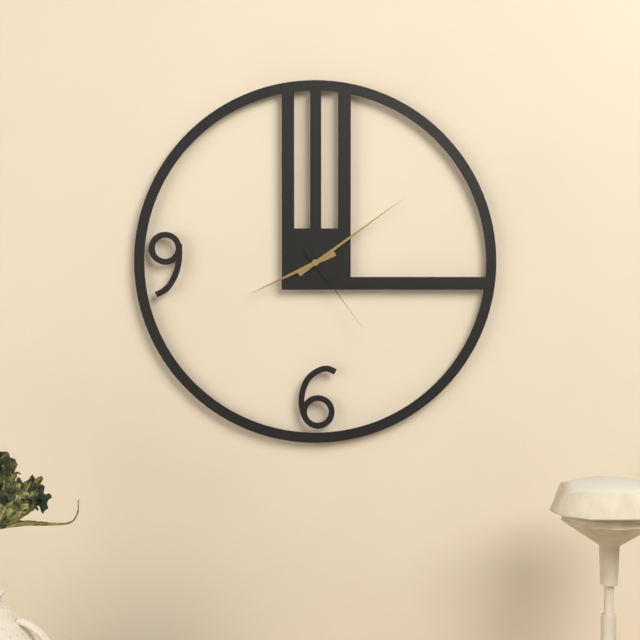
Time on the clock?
8:09:24
